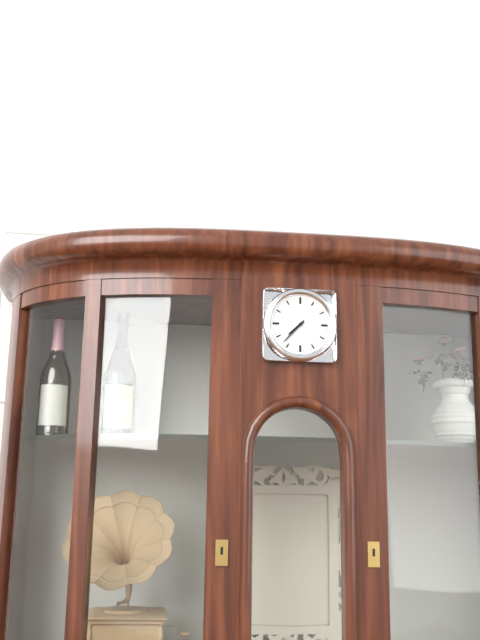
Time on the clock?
7:37
